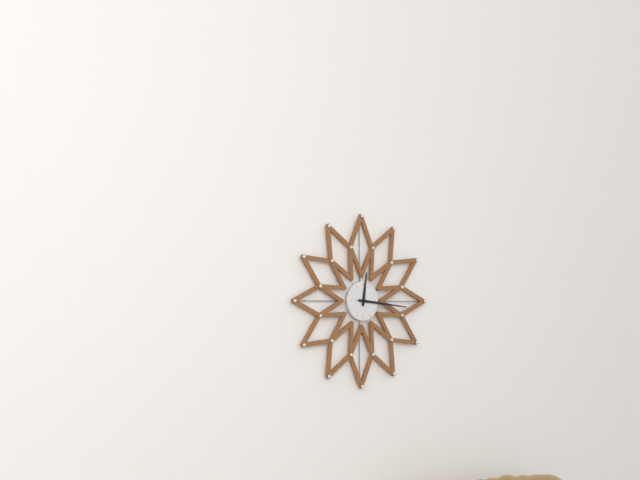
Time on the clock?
12:16
